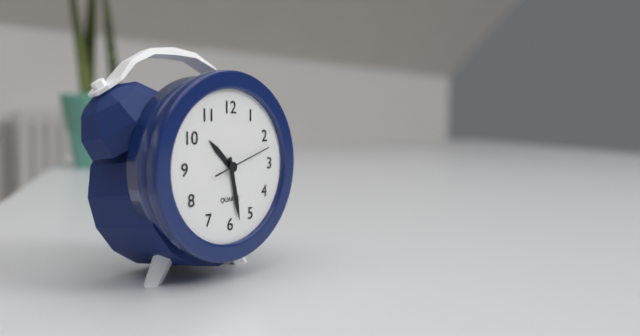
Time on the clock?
10:28
